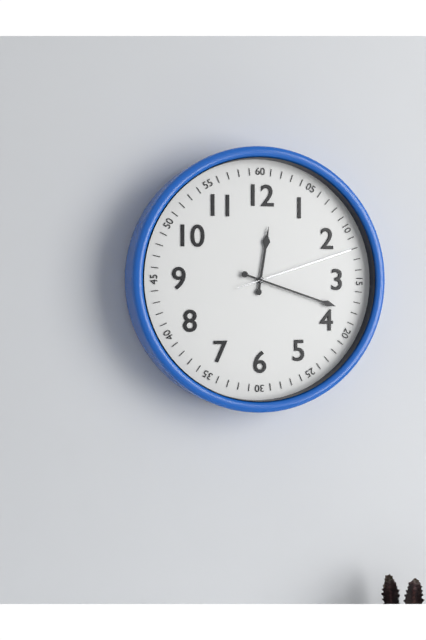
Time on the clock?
12:18:12
